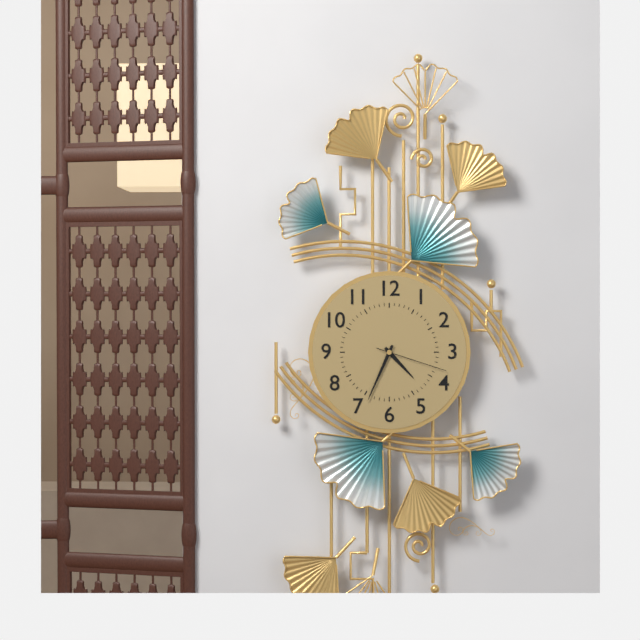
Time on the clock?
4:34:18
